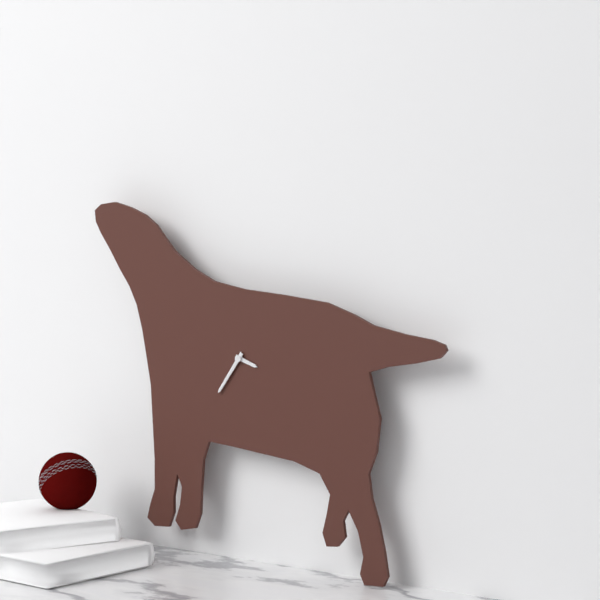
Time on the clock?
3:36
